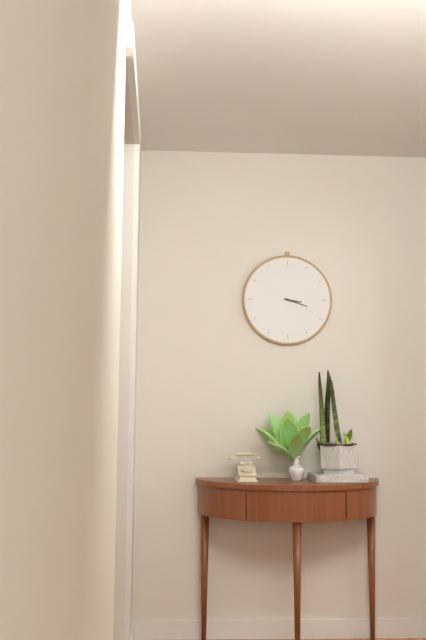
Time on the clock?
3:18
